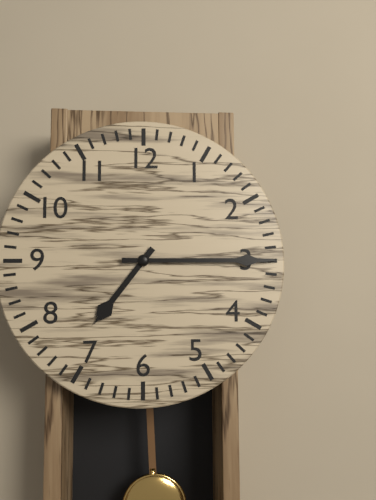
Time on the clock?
7:15
